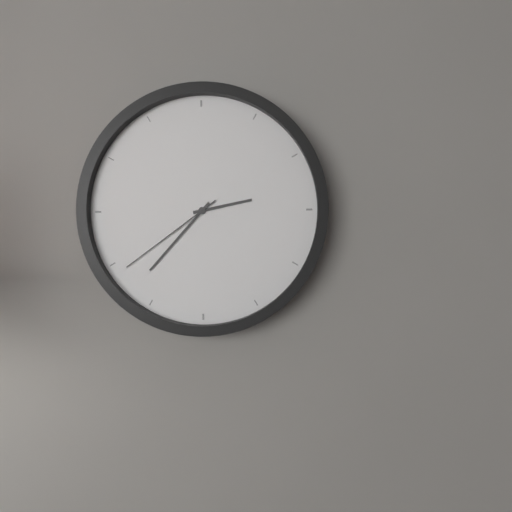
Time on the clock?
2:37:39
